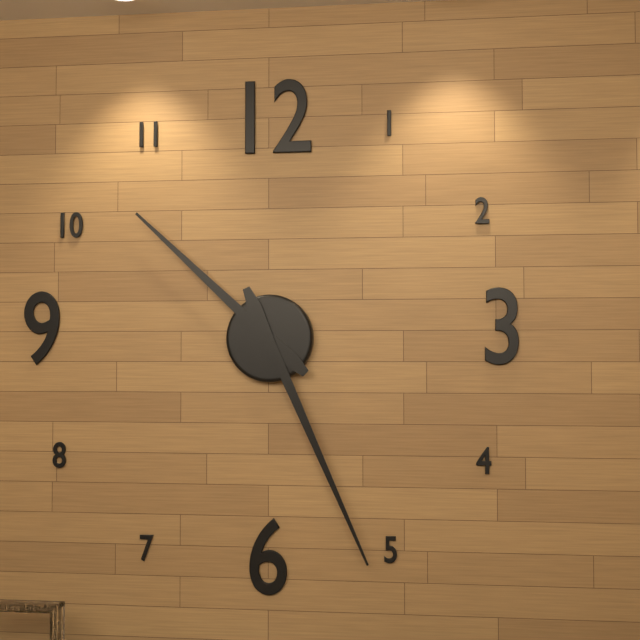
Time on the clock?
10:26
